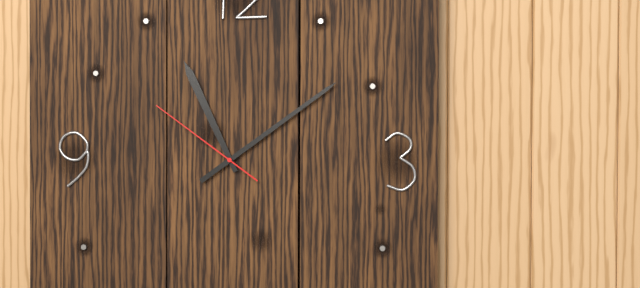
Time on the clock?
11:09:51
